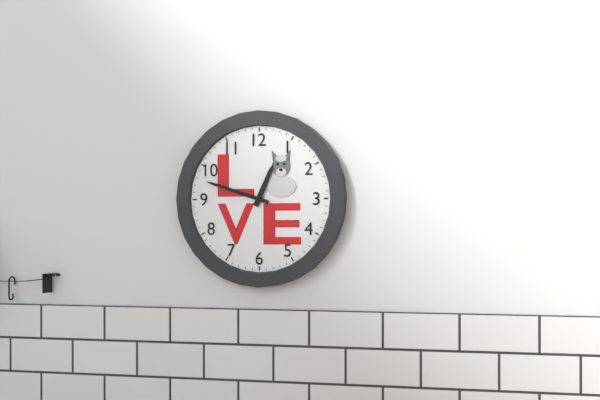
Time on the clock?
12:48
